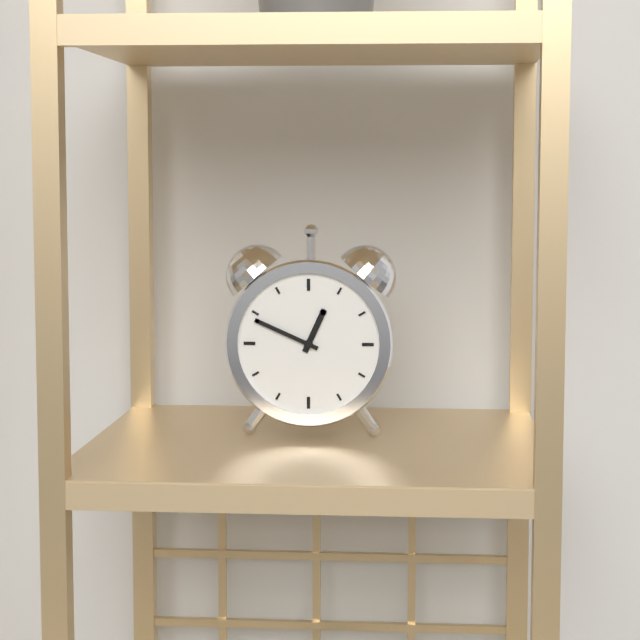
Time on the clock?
12:49
